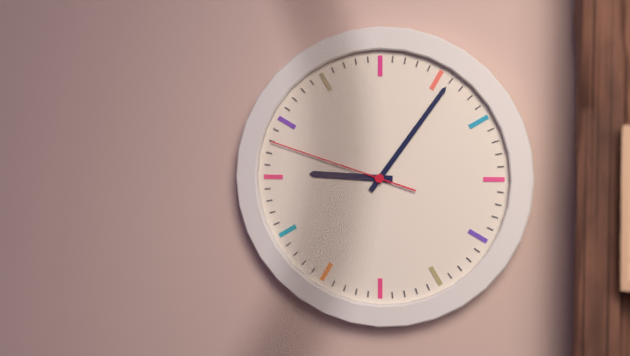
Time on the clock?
9:06:48
